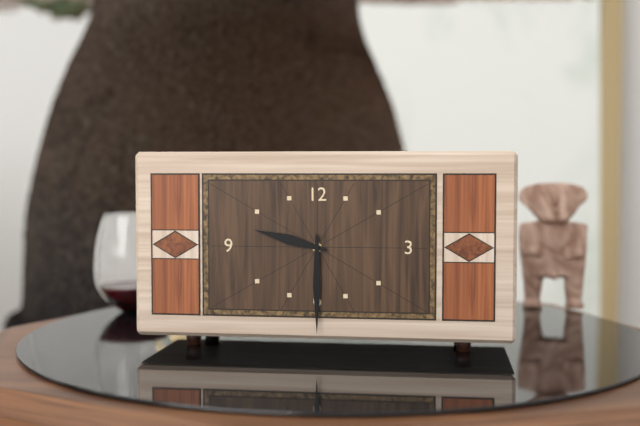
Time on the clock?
9:30
